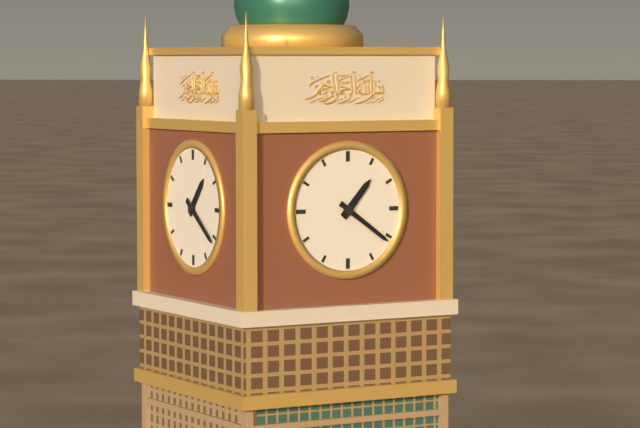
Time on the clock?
1:21
